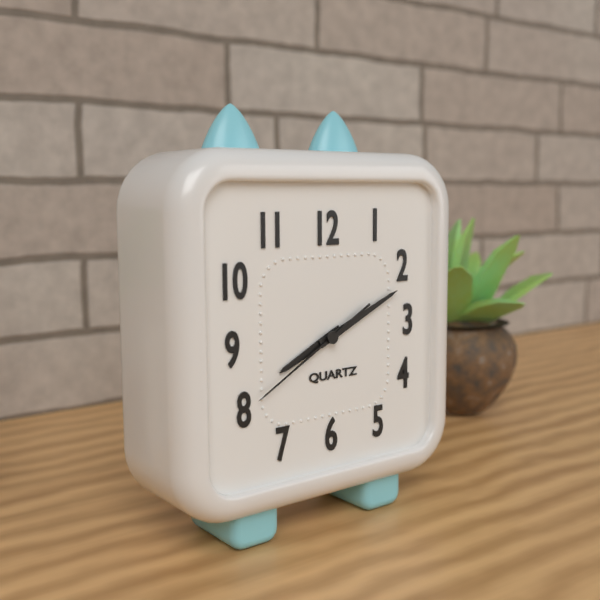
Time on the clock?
8:11:40
